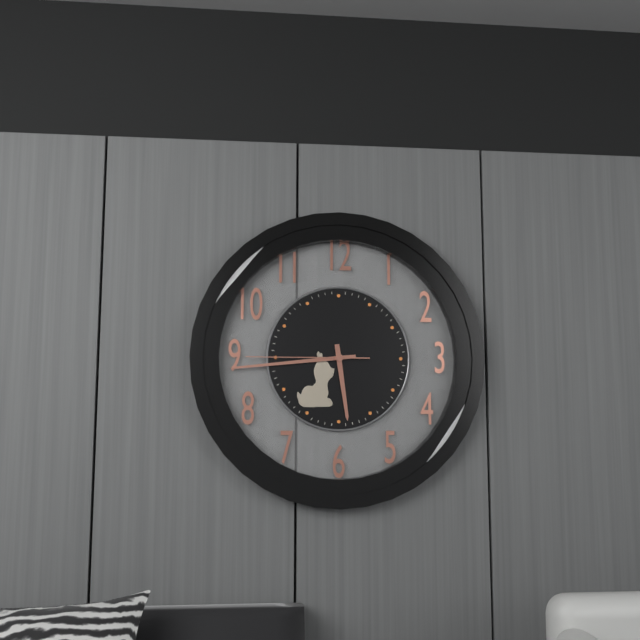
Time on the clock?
5:44:45
